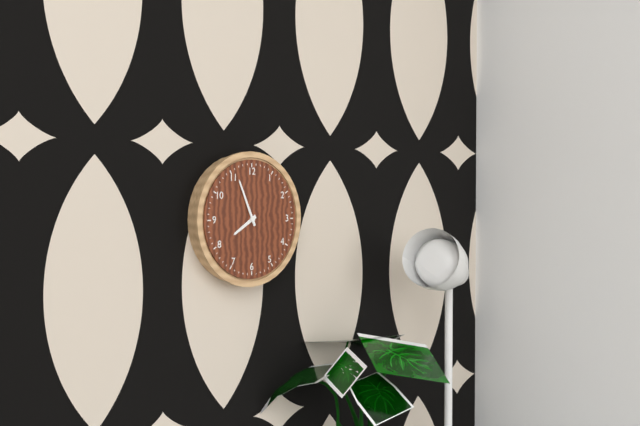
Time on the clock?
7:56
